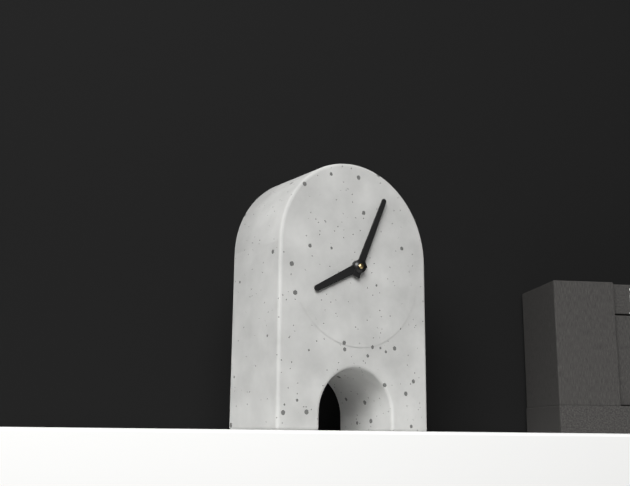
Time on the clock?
8:04
